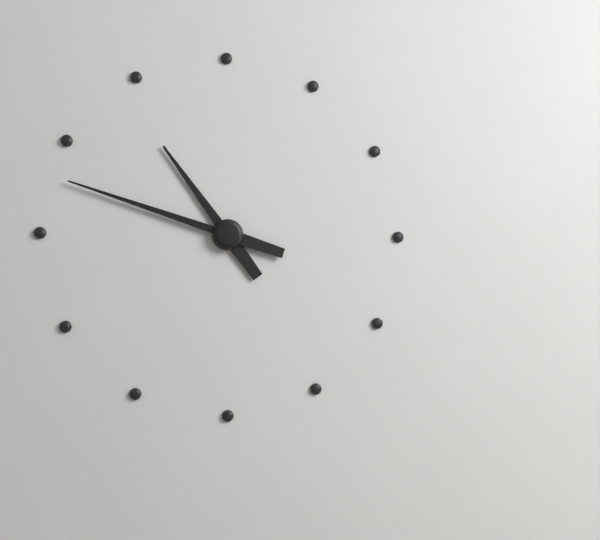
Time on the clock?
10:48
